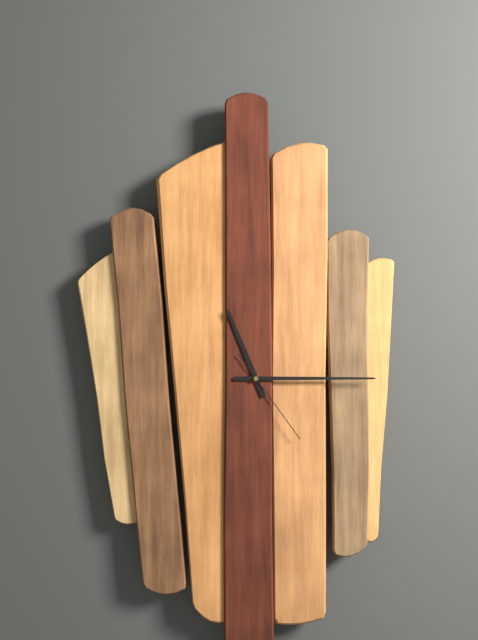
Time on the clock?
11:15:24
